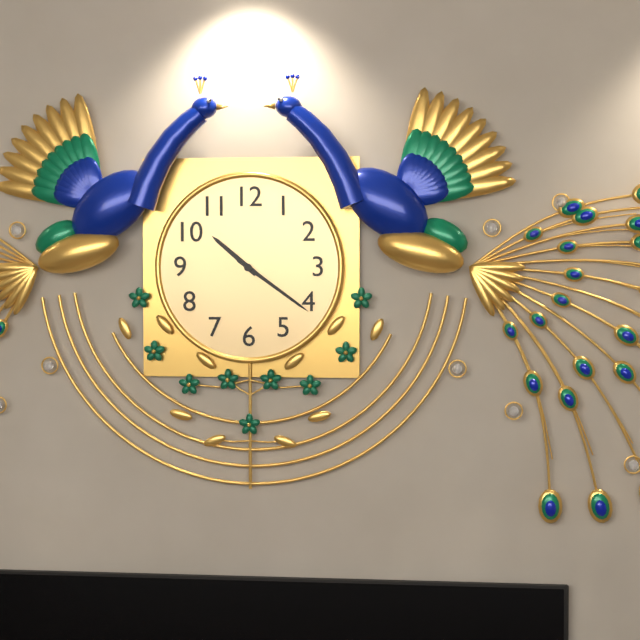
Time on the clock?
10:21
